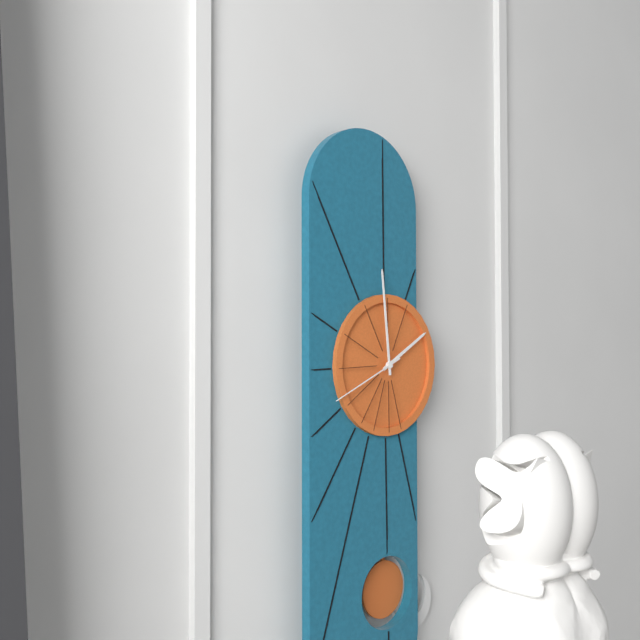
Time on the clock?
1:59:41
